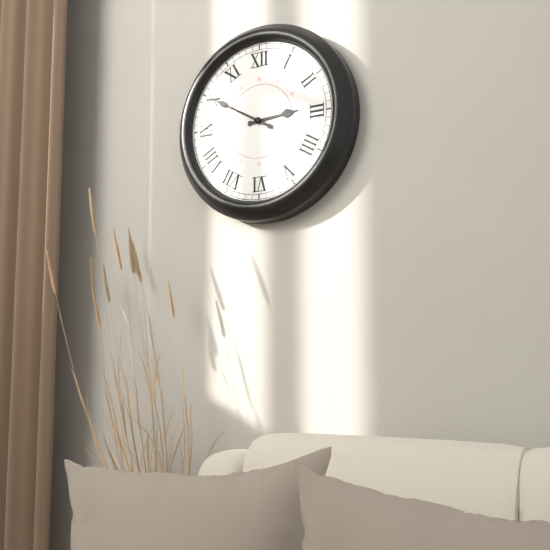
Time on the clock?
2:50
